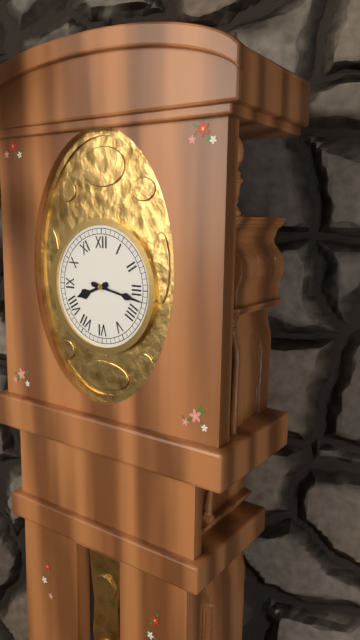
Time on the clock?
8:17
